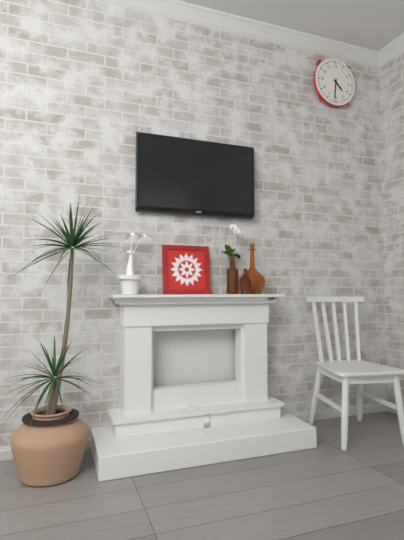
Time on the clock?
4:31
